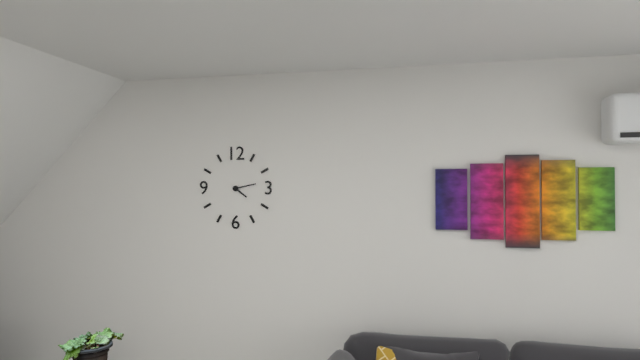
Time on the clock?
4:13
